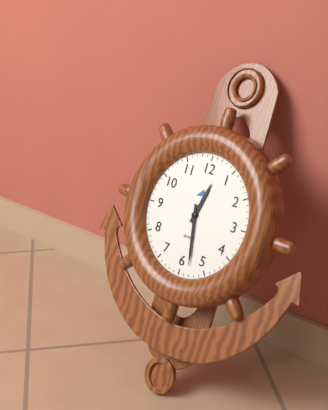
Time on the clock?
12:28
